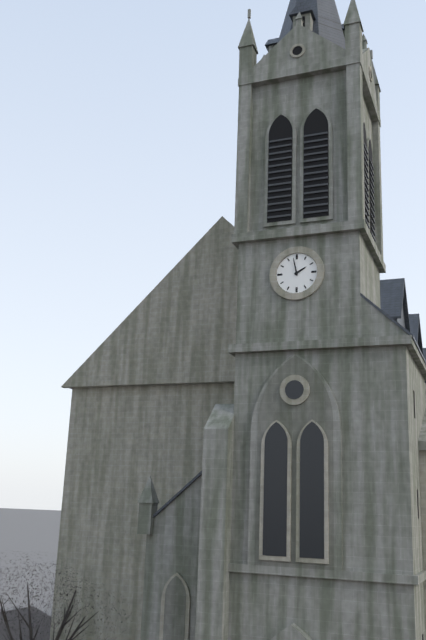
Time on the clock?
1:58
